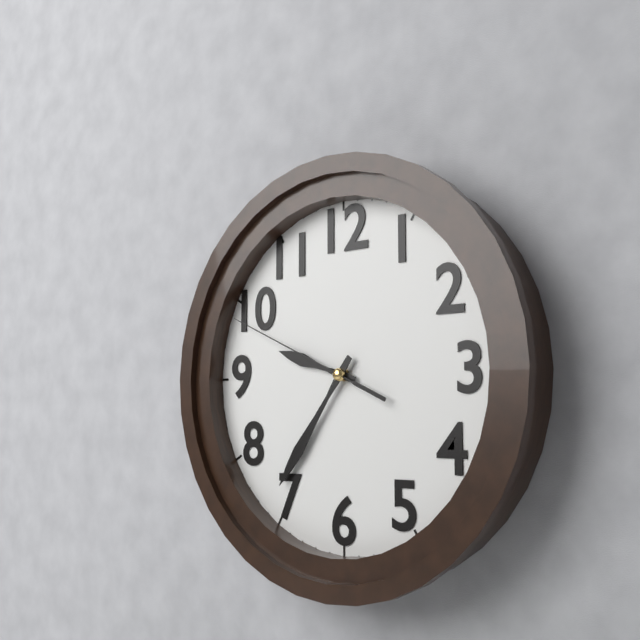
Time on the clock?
9:36:49
